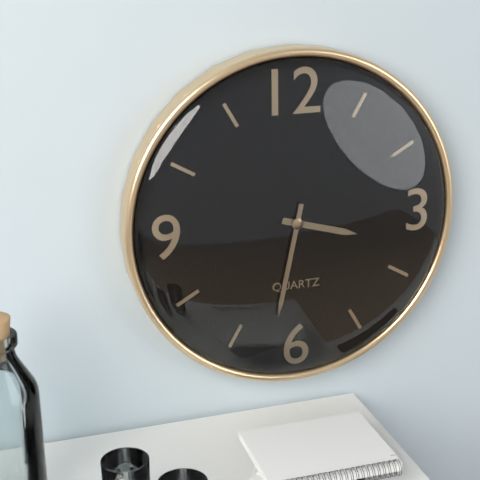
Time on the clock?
3:32
